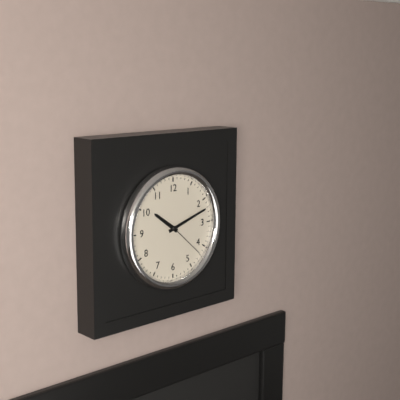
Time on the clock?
10:12
